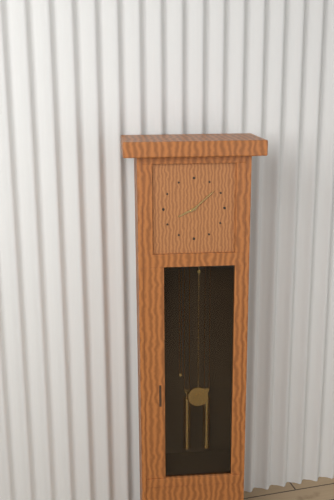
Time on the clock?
8:08
